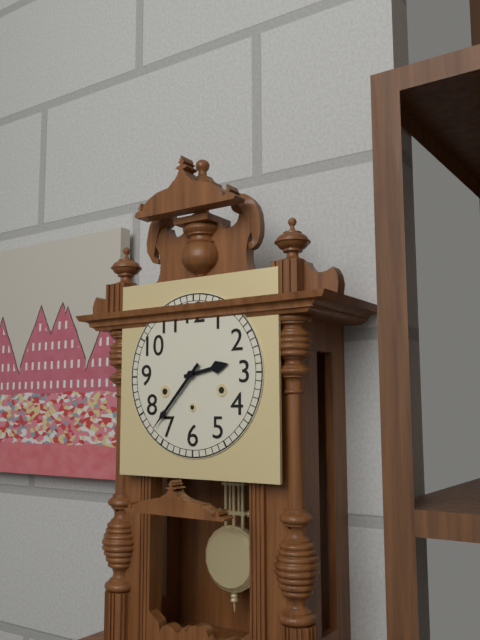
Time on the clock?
2:37
